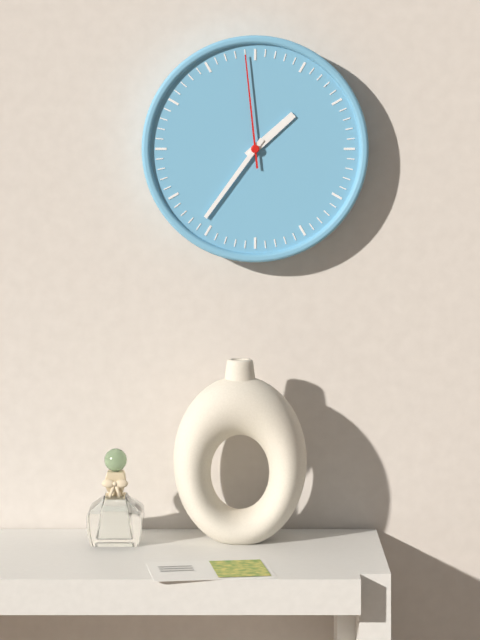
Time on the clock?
1:36:59
